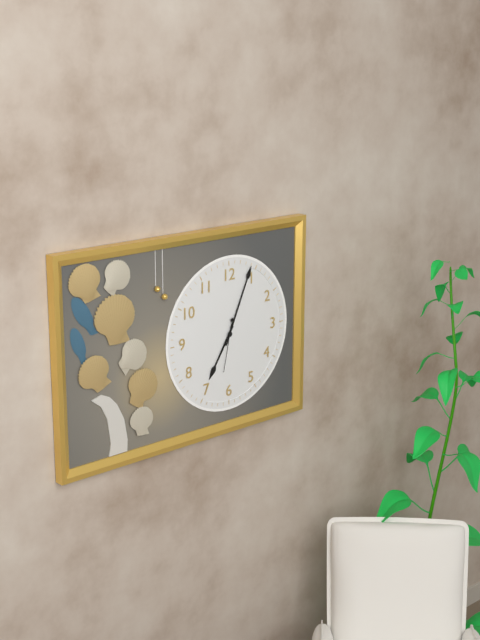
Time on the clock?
7:04
